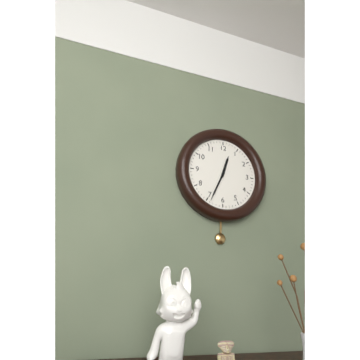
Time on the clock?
12:34
